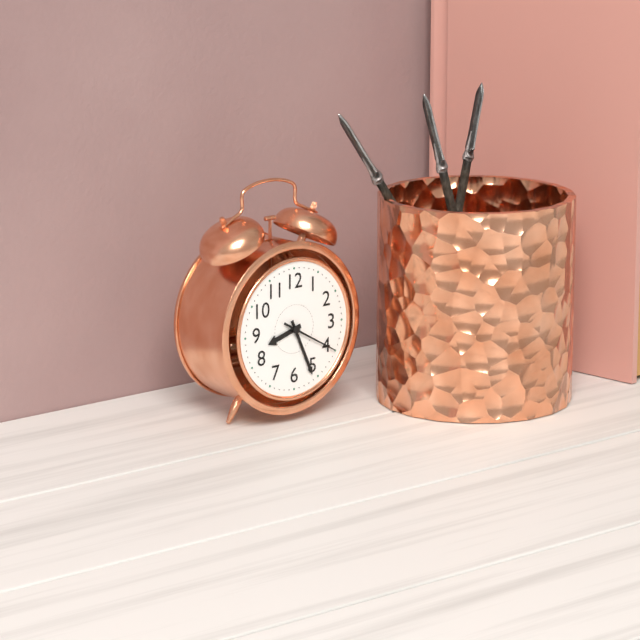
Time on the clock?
8:26:20
